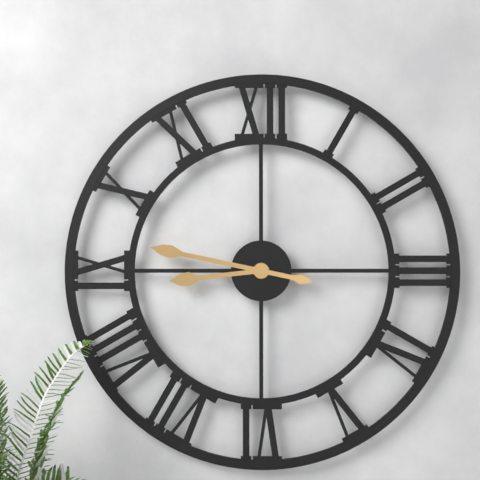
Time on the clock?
8:47
